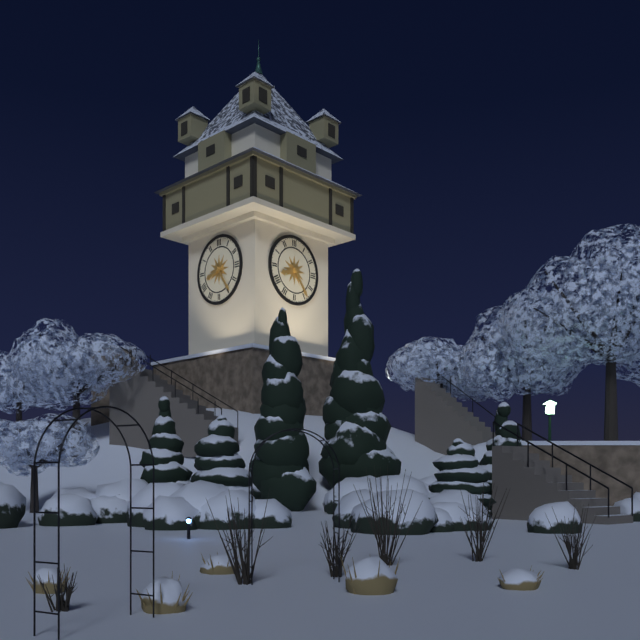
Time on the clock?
8:24
